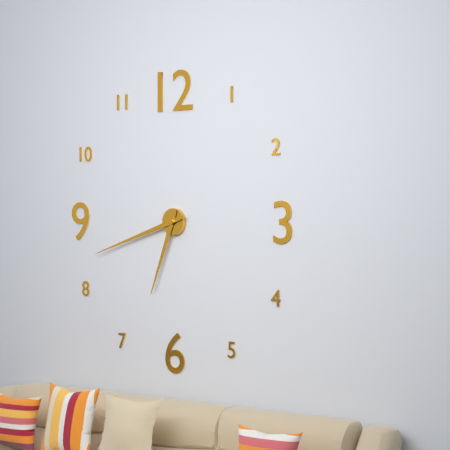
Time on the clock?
6:42
